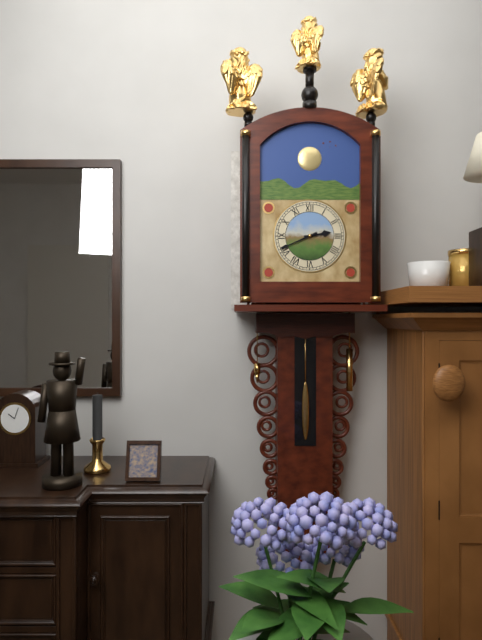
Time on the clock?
2:41
